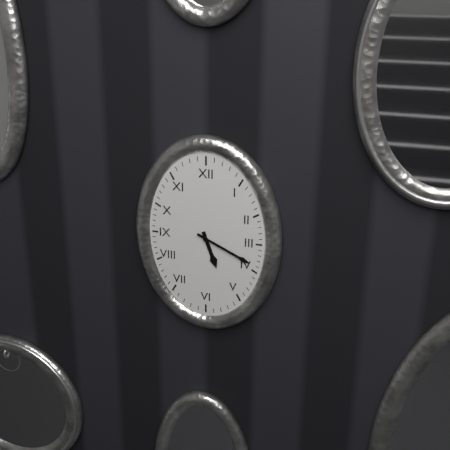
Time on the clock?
5:19
